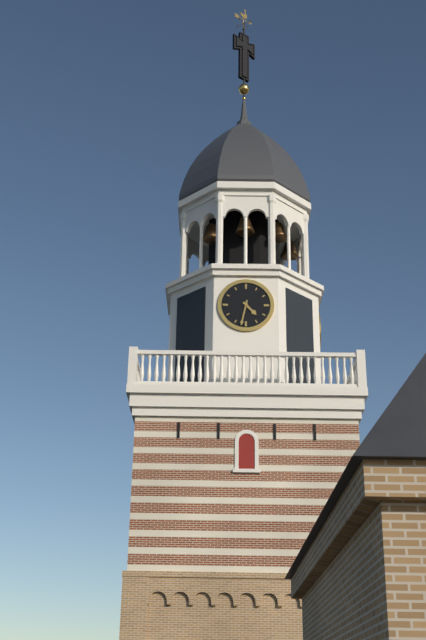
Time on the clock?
4:32
